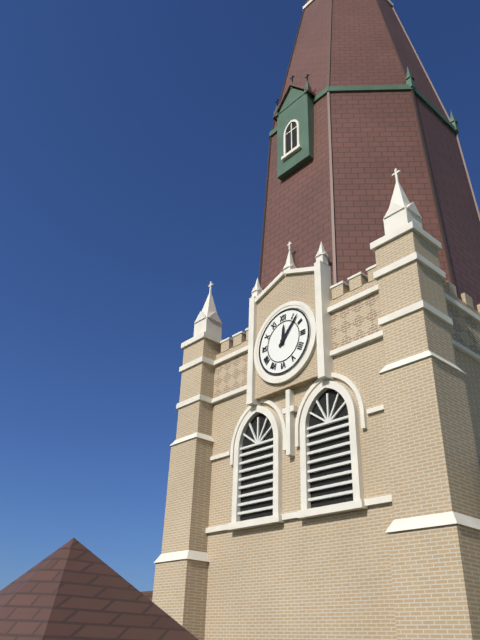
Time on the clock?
12:07
